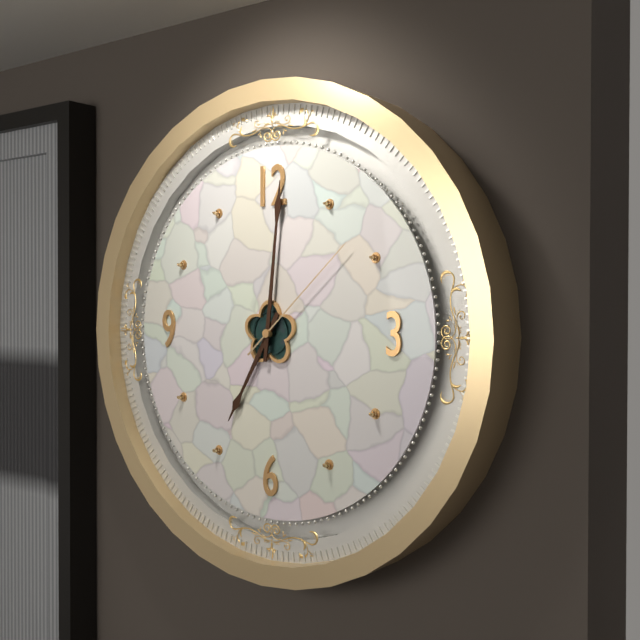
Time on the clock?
7:01:08
